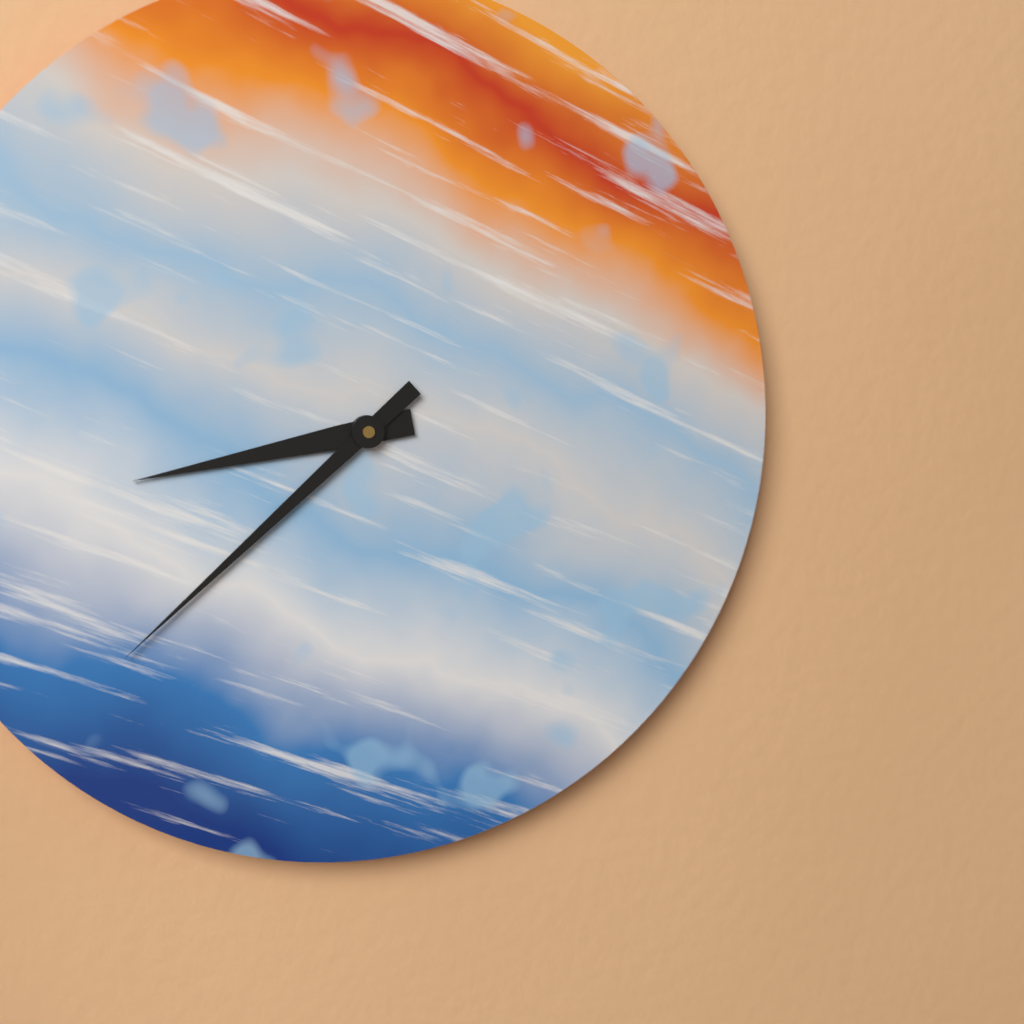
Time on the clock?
8:38
